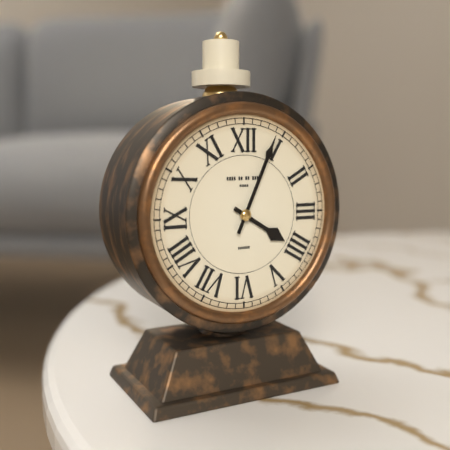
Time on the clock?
4:04
